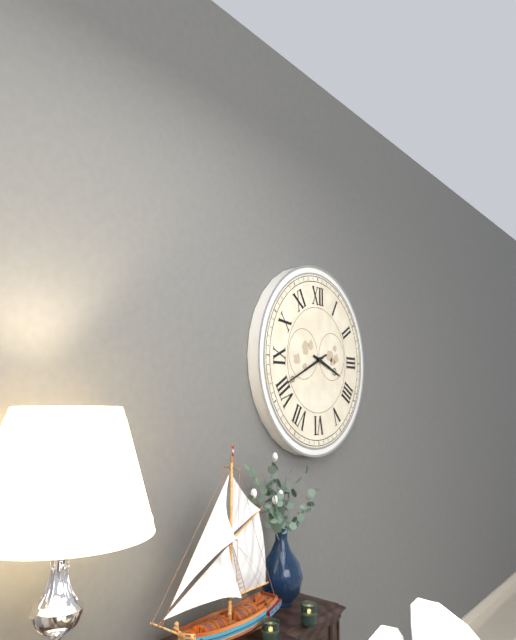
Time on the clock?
3:41
